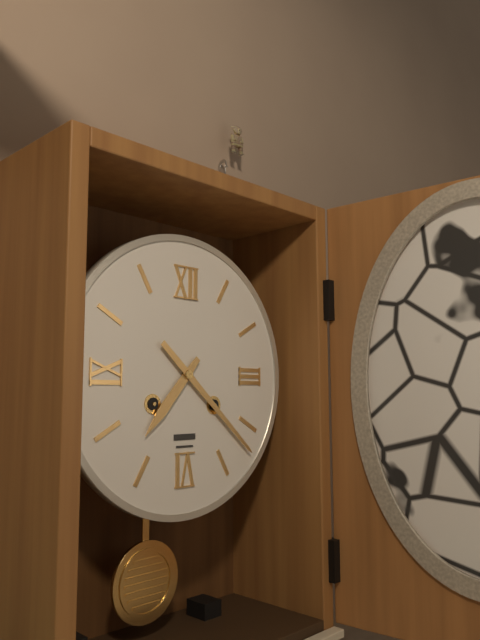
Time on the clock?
7:22
